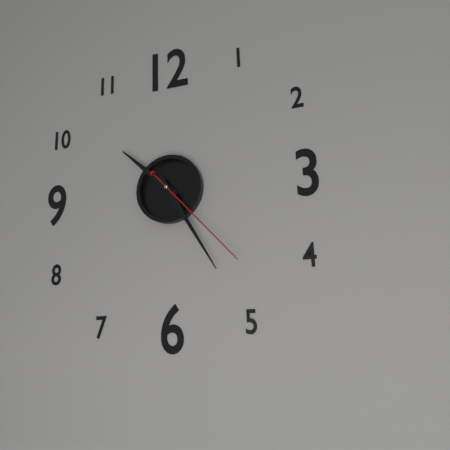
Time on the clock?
10:25:23
